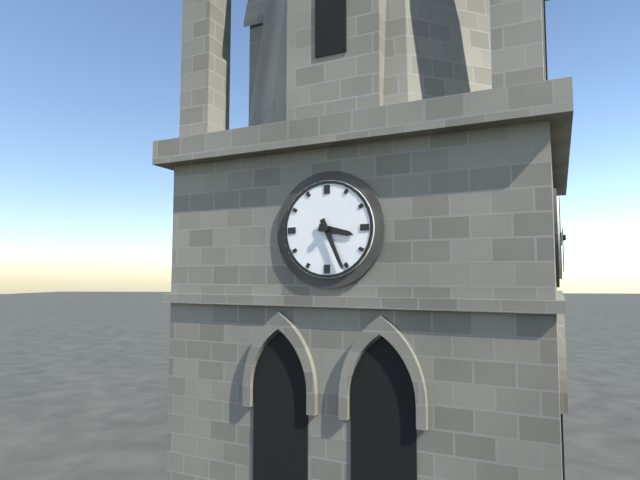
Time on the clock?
3:26
